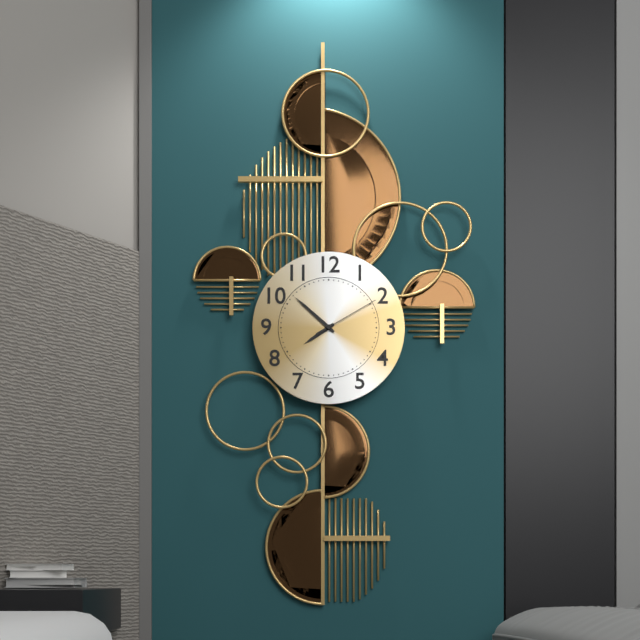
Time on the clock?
7:52:10
